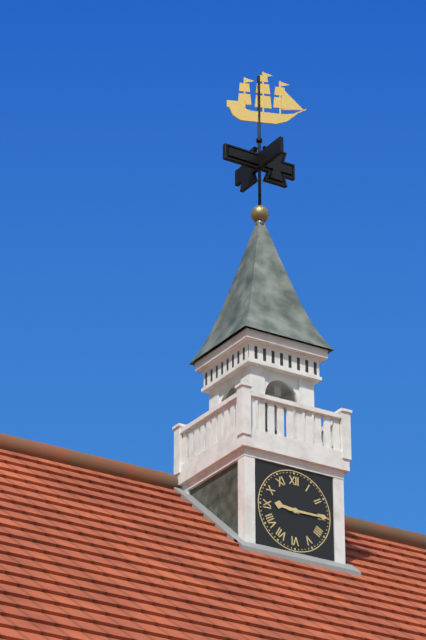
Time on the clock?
9:15
